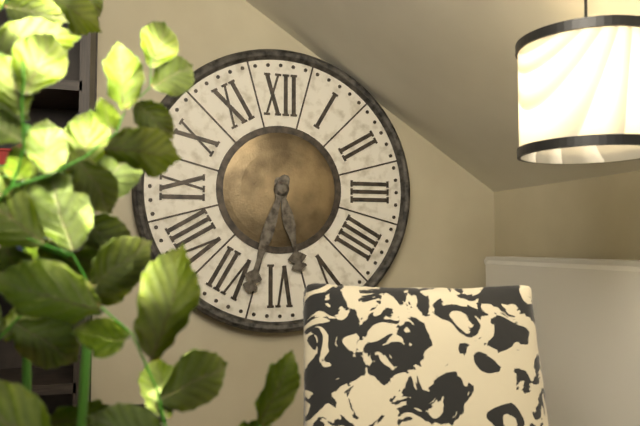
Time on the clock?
5:33
